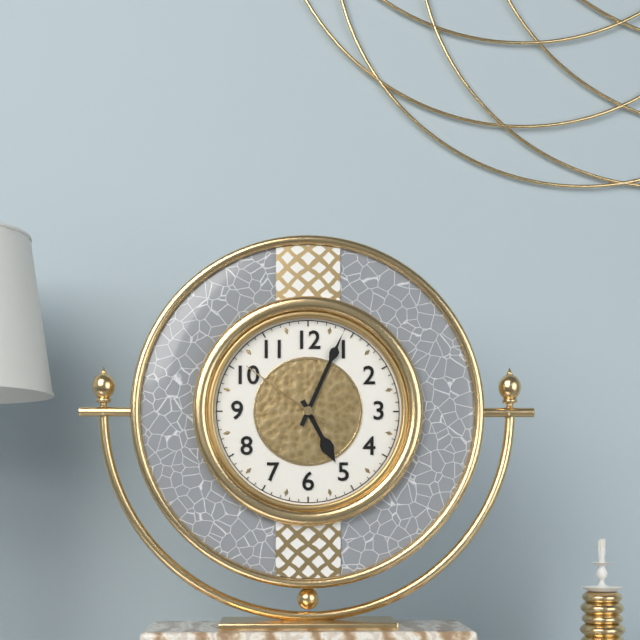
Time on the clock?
5:04:51
